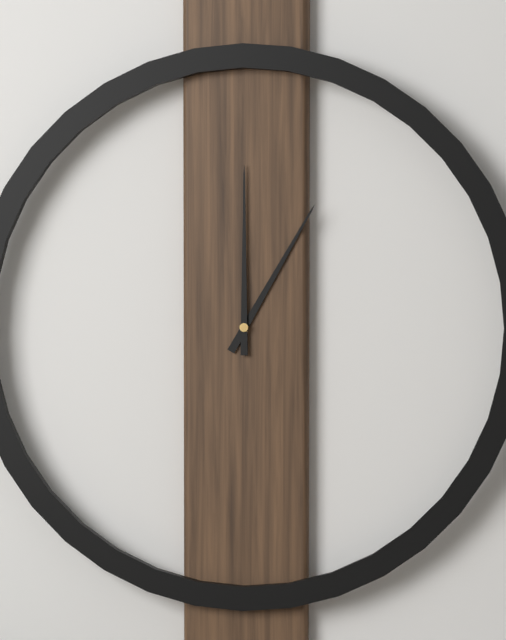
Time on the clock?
1:00
